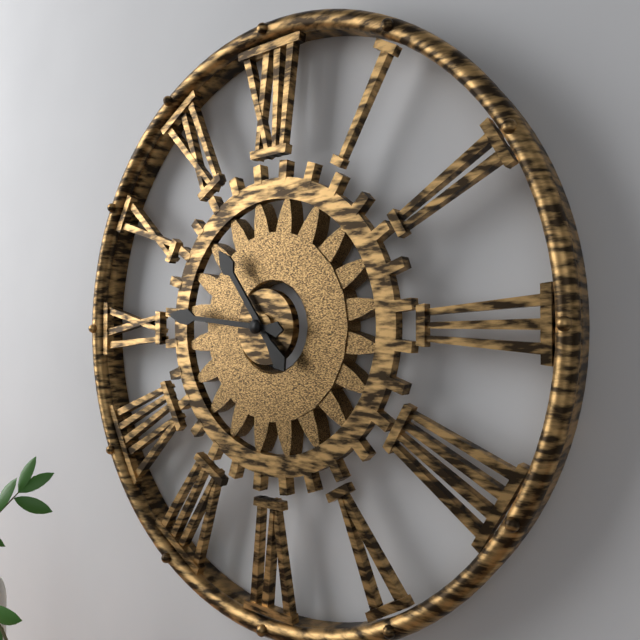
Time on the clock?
10:46
